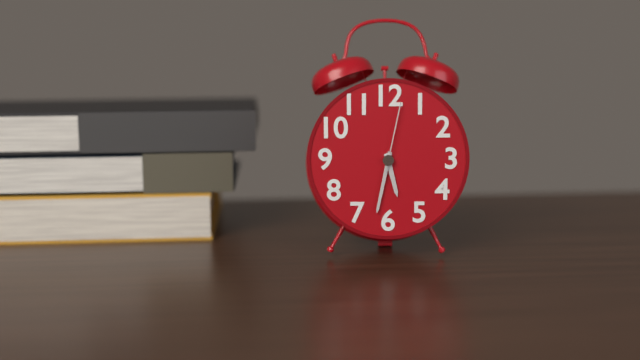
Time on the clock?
5:32:02
